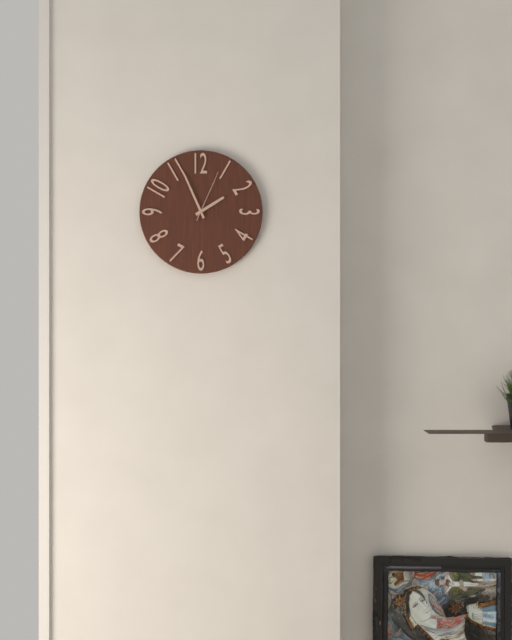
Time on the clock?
1:56:04
